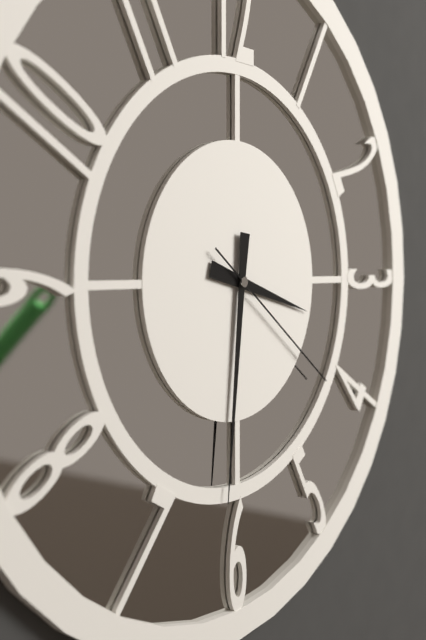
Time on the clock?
3:31:21
